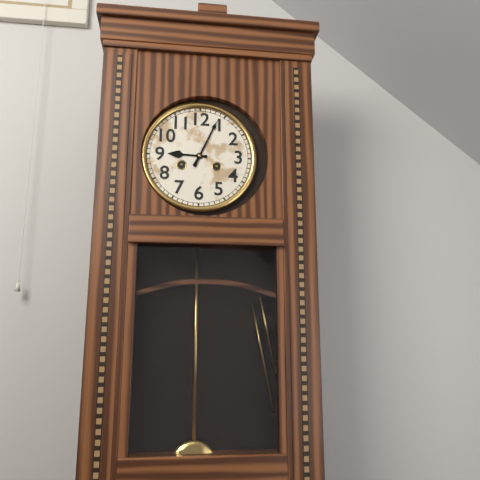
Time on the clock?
9:04
